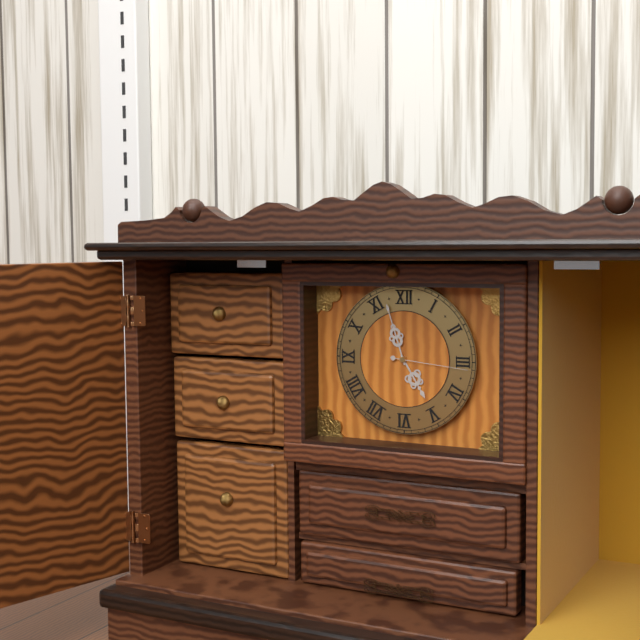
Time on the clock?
4:57:16
